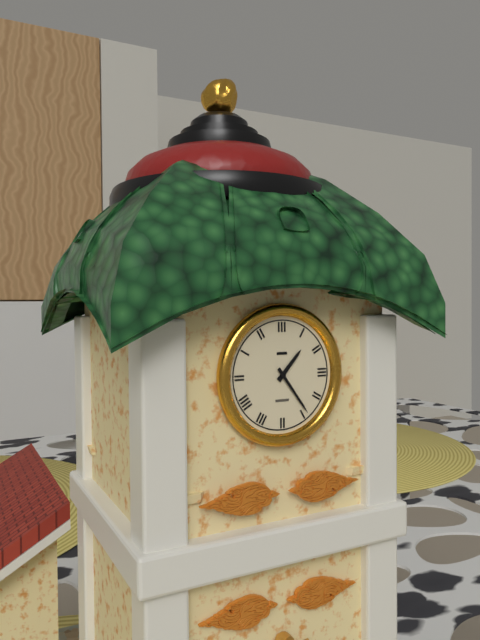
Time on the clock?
1:24
